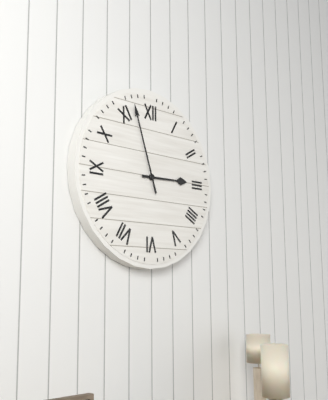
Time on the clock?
2:57
